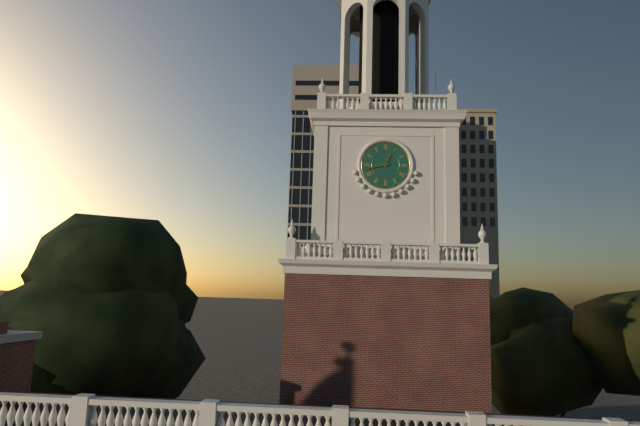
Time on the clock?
12:43
